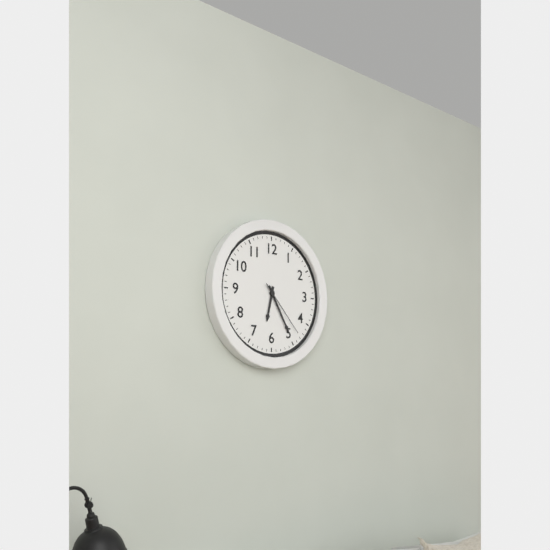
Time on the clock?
6:25:23
